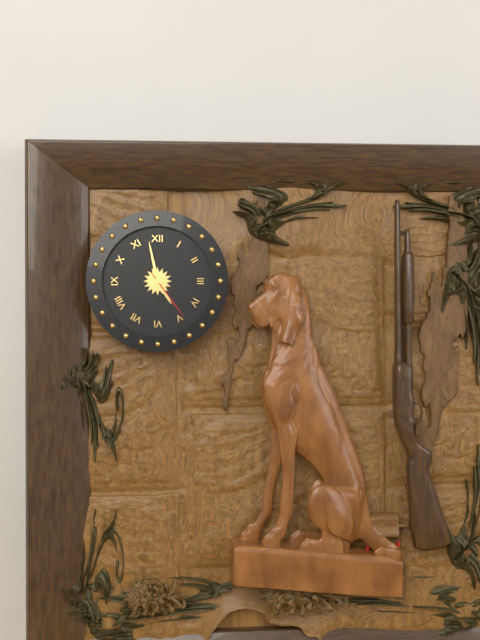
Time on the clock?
4:58:24
